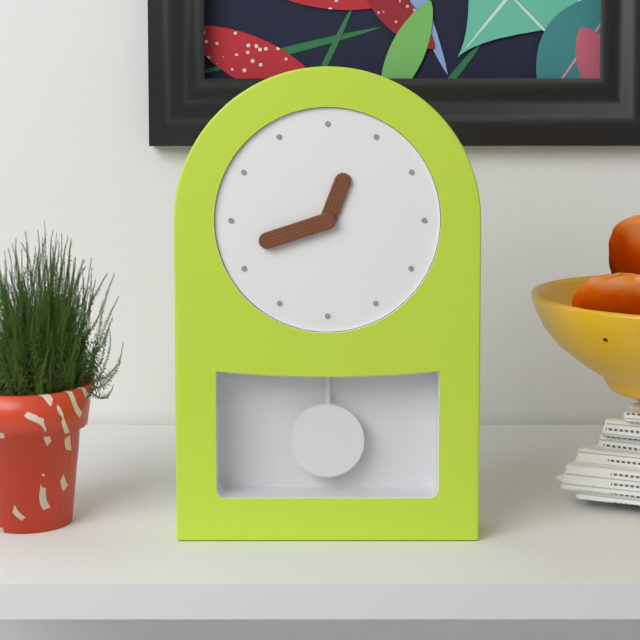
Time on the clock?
12:42
